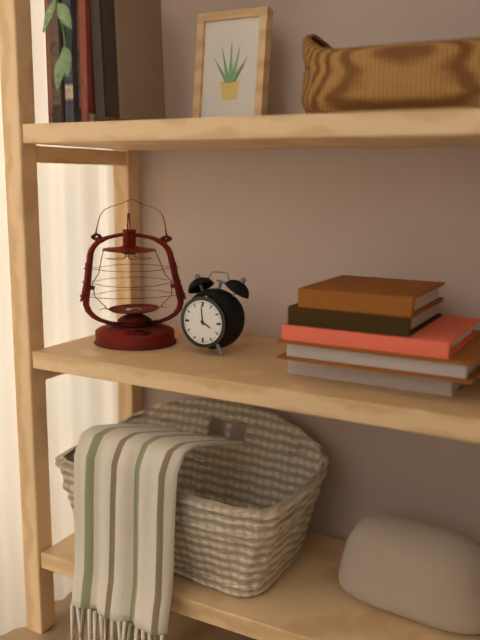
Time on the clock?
3:59
